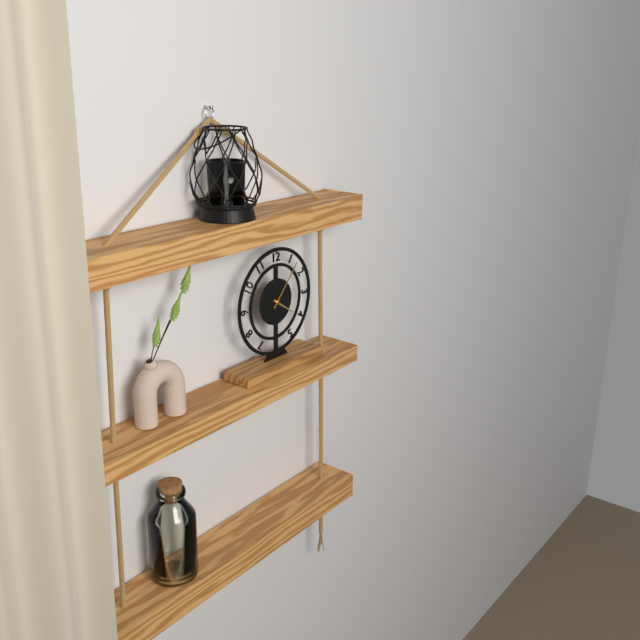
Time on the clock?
4:07
